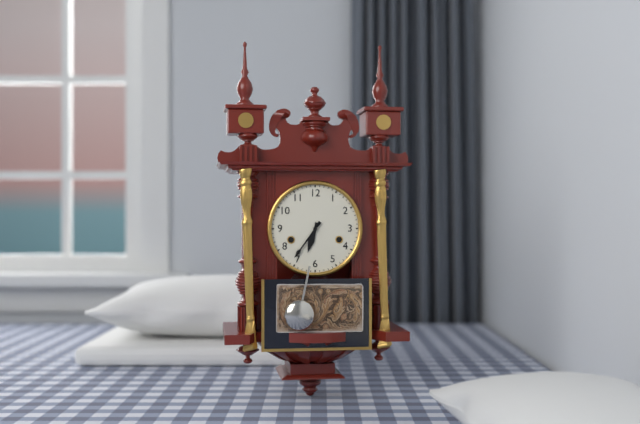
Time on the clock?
6:36
